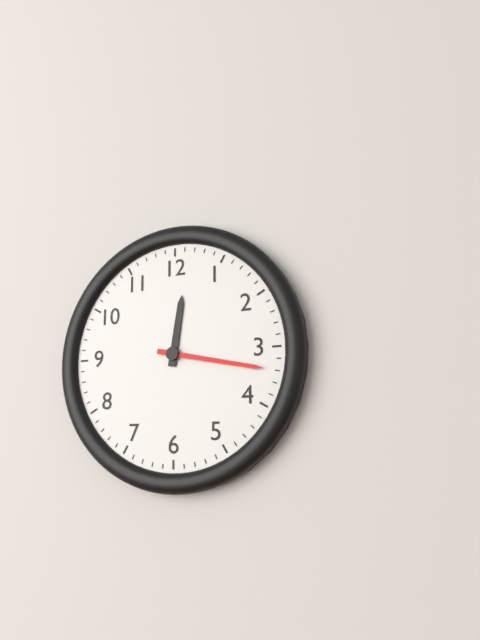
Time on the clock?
12:17
